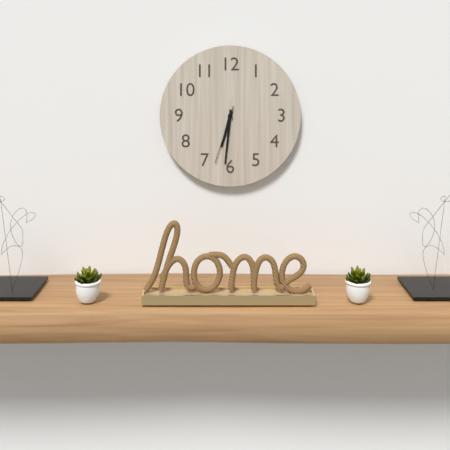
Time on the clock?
6:31:33
